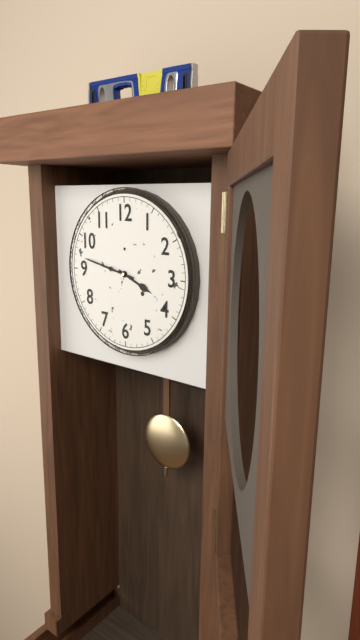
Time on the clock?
3:47
